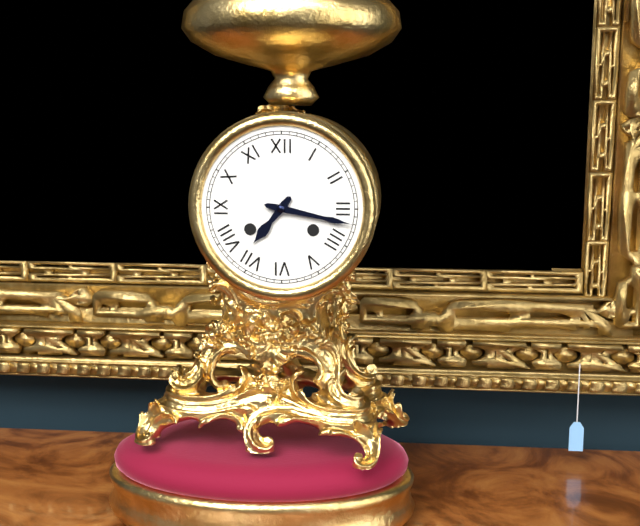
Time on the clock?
7:17
